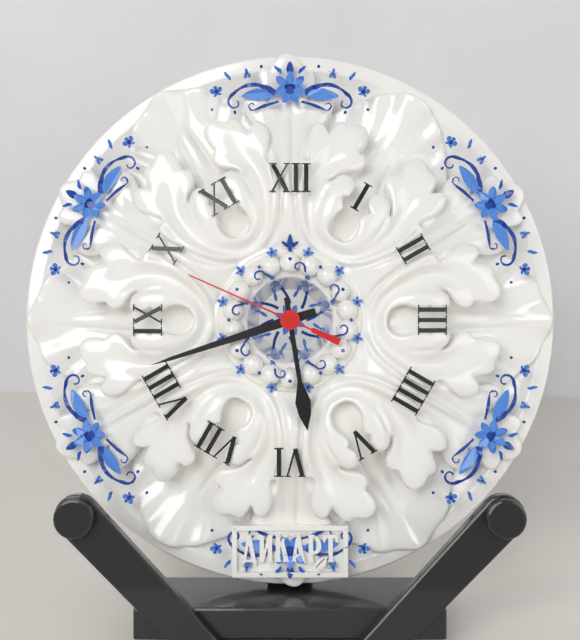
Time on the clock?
5:42:49
